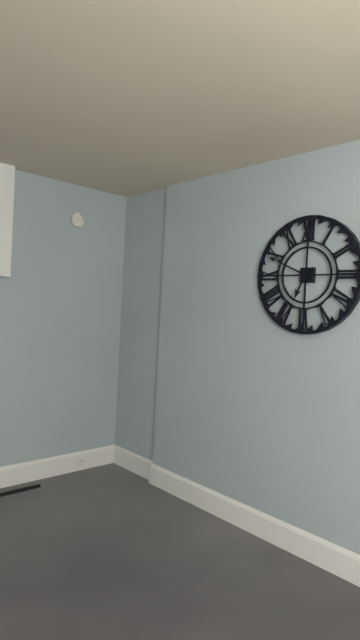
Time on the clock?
6:49
